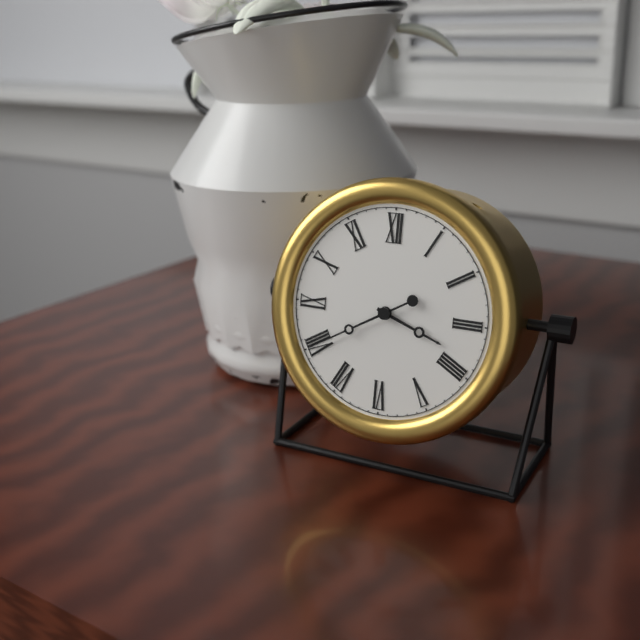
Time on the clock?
3:40
